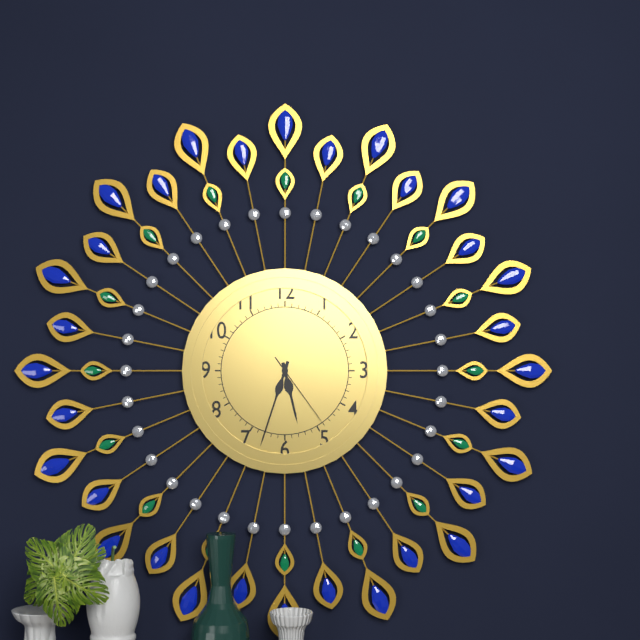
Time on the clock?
5:33:24
